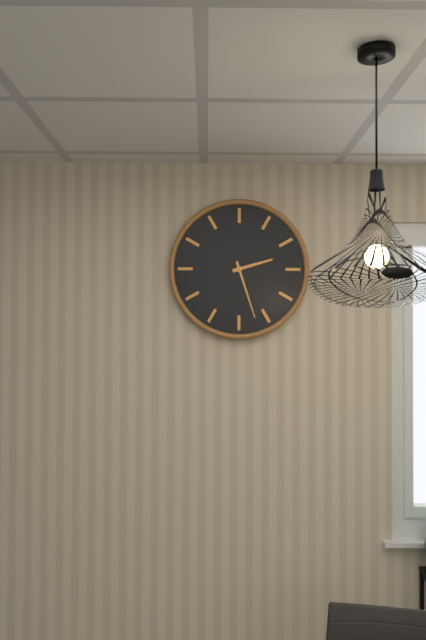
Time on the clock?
2:27
